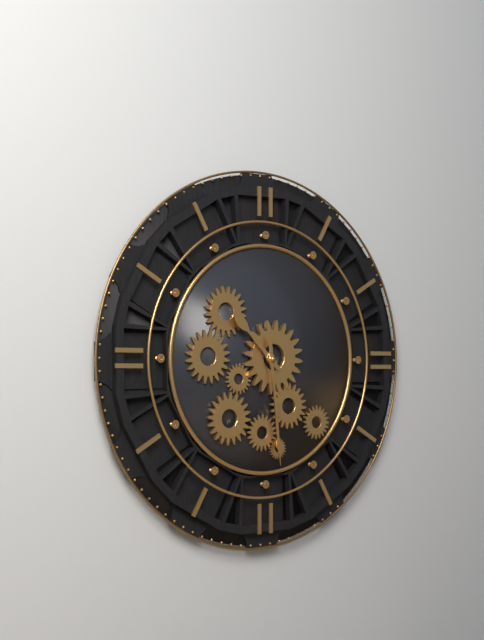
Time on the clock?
10:29
